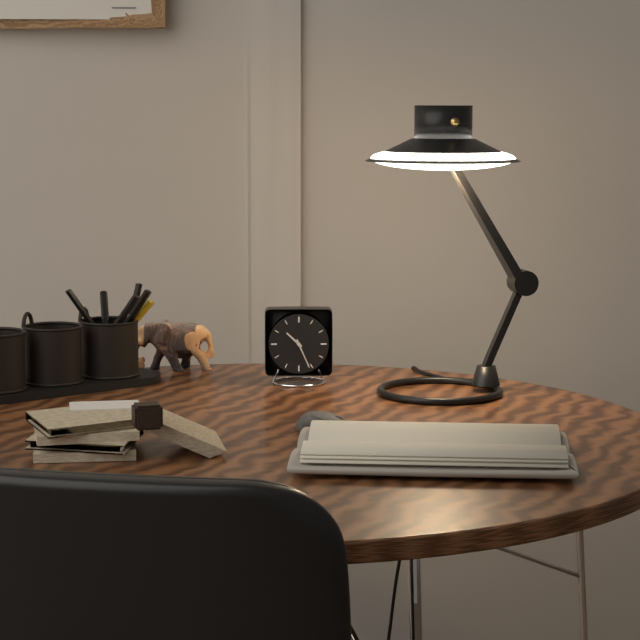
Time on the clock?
10:26
